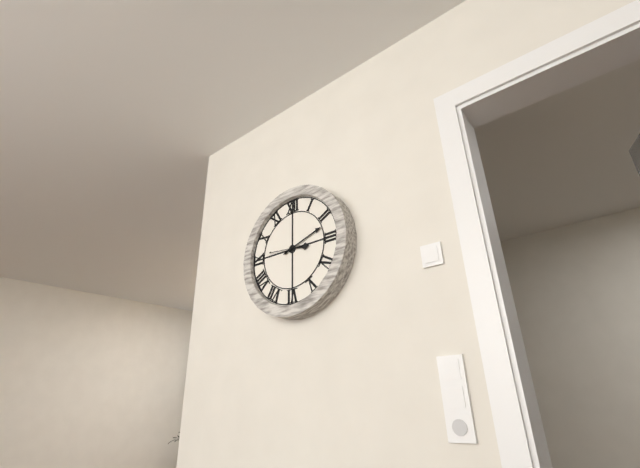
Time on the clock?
3:12
